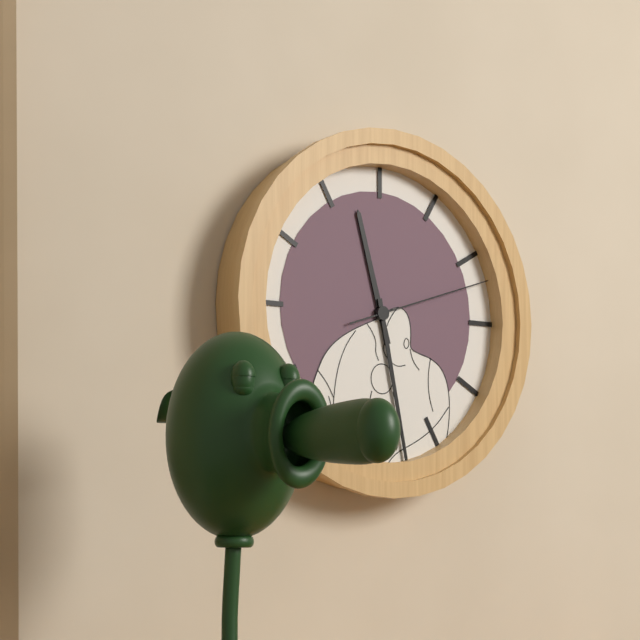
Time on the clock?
11:28:12
